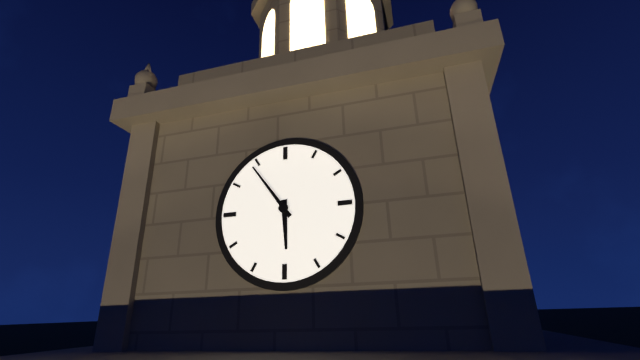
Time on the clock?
5:54
